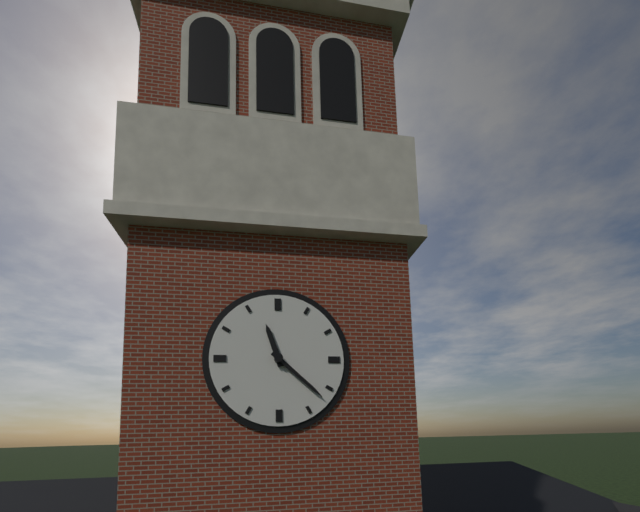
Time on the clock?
11:22
